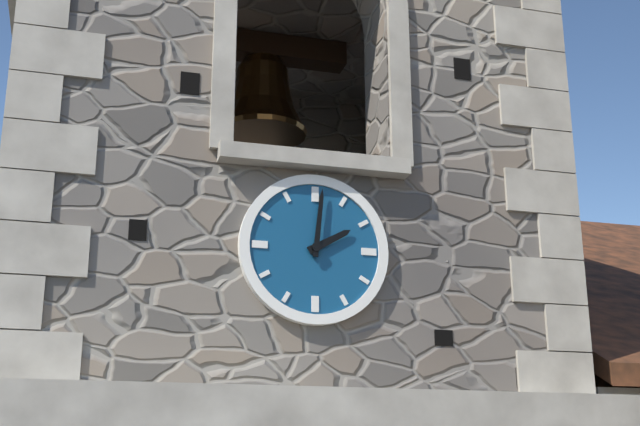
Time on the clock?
2:01
